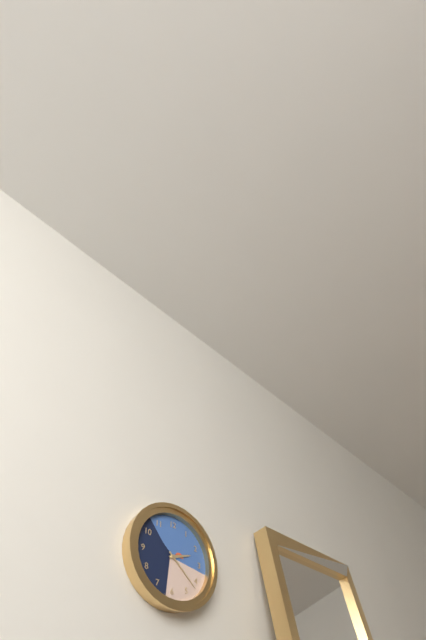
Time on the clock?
2:22
